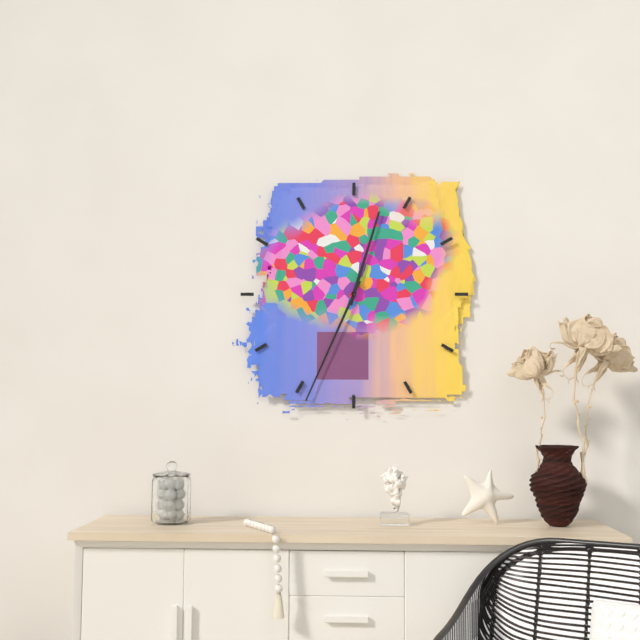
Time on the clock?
12:34
